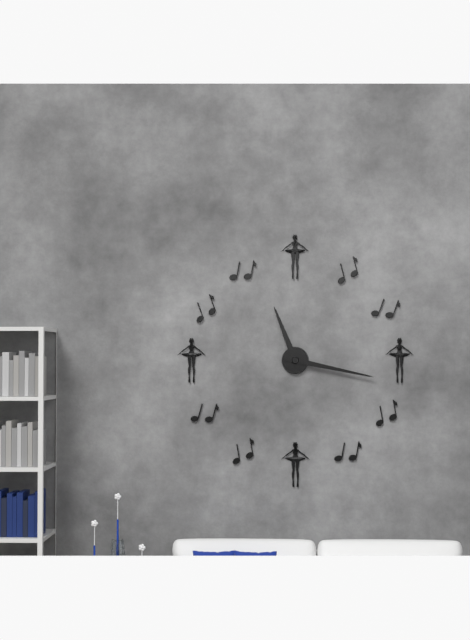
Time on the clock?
11:17
